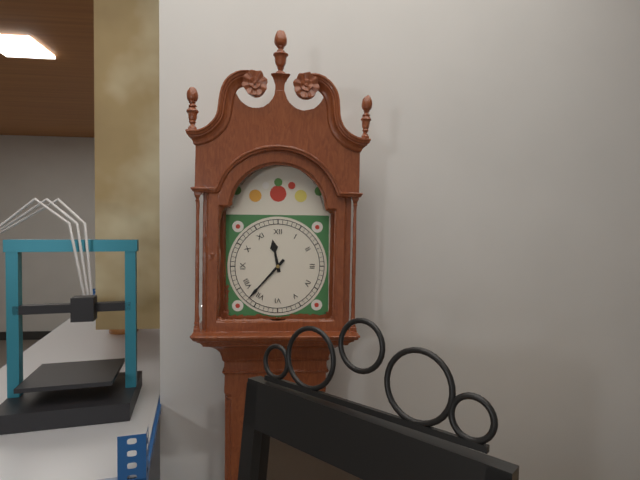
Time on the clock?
11:37
